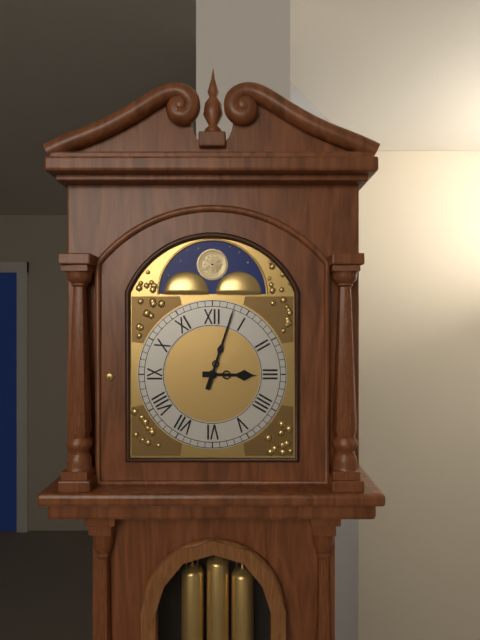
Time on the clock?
3:03
